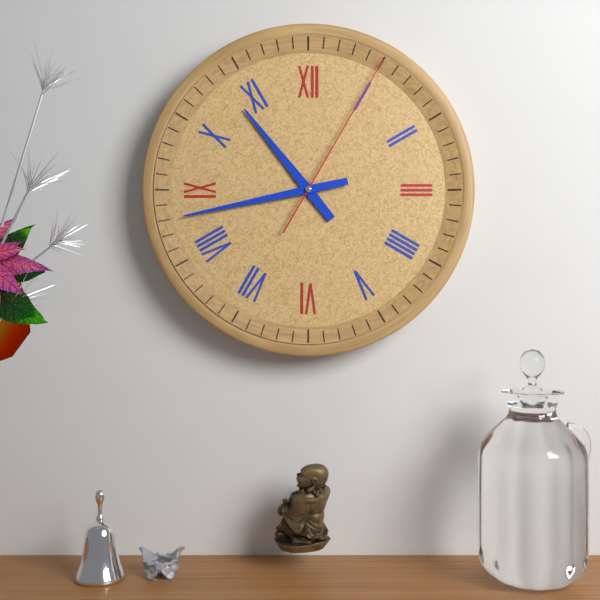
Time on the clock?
10:43:05
